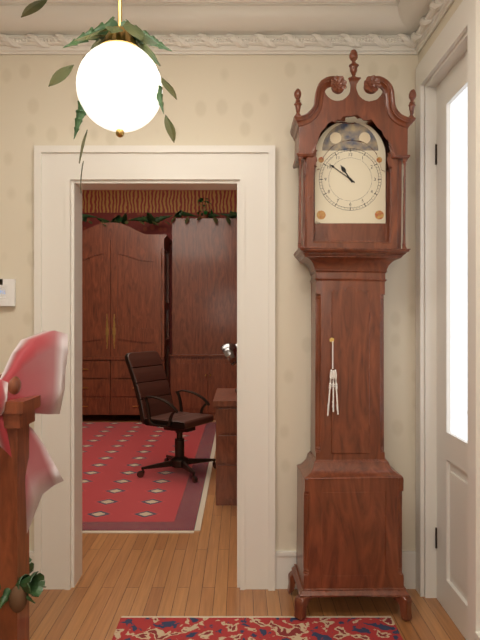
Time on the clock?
10:51
